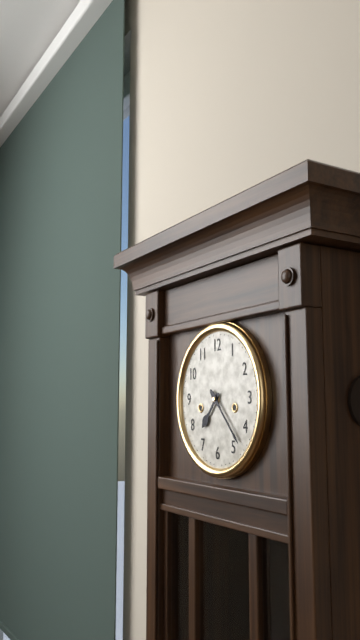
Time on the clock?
7:23
